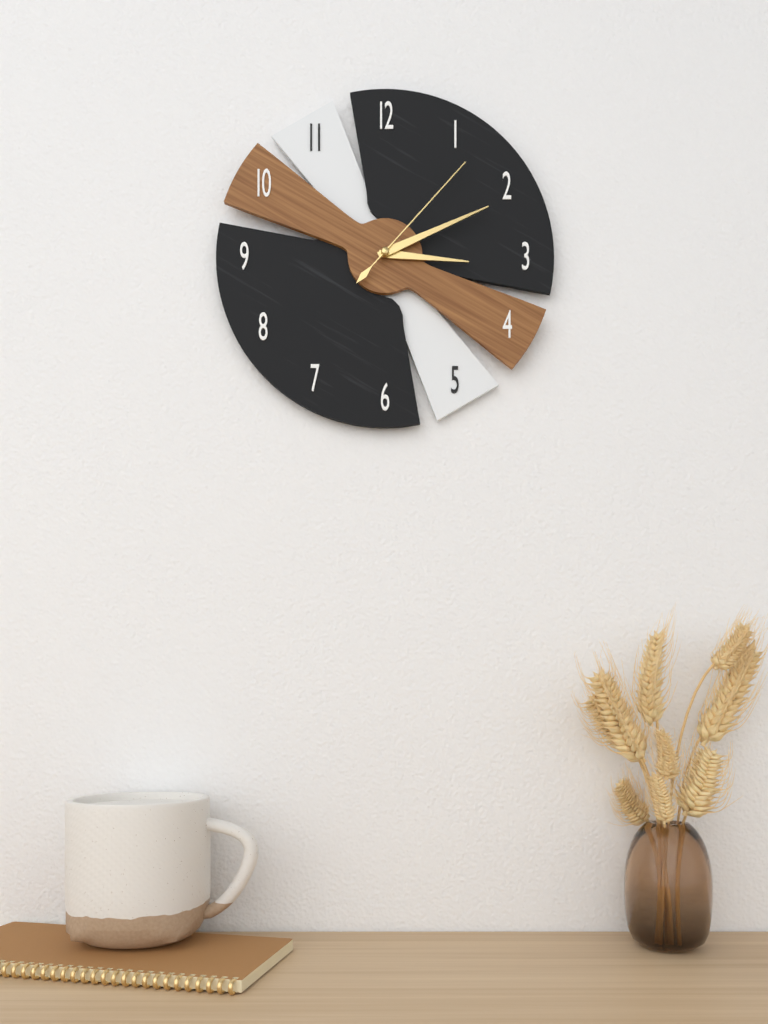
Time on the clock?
3:11:07
